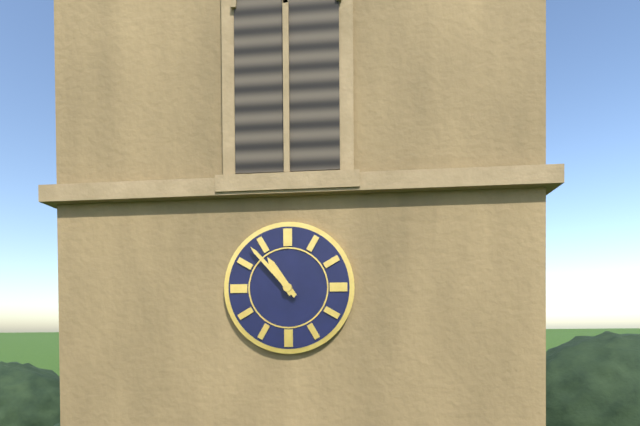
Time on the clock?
10:53
